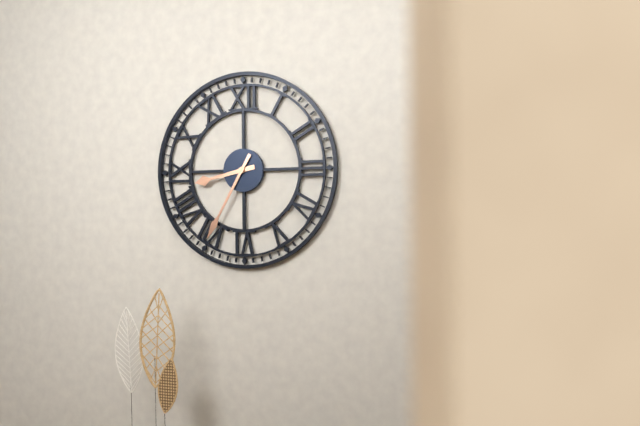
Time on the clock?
8:35
